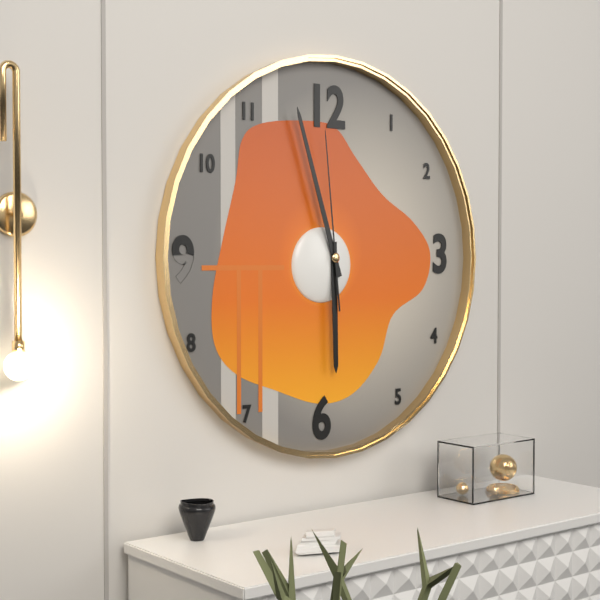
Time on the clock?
5:57:59
